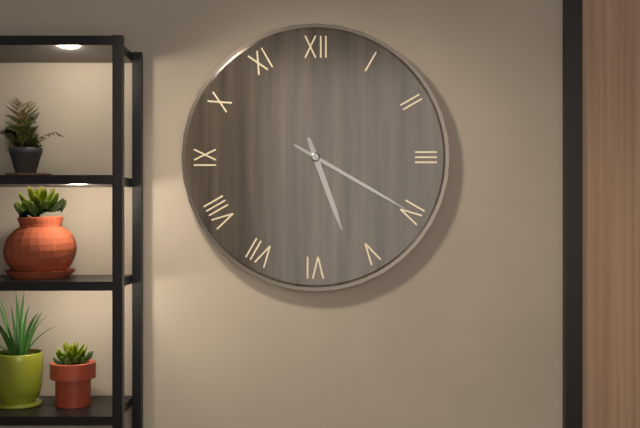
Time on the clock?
5:20
